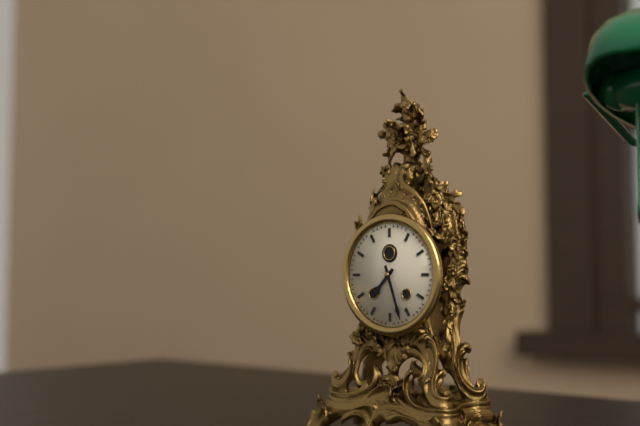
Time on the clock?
7:27
